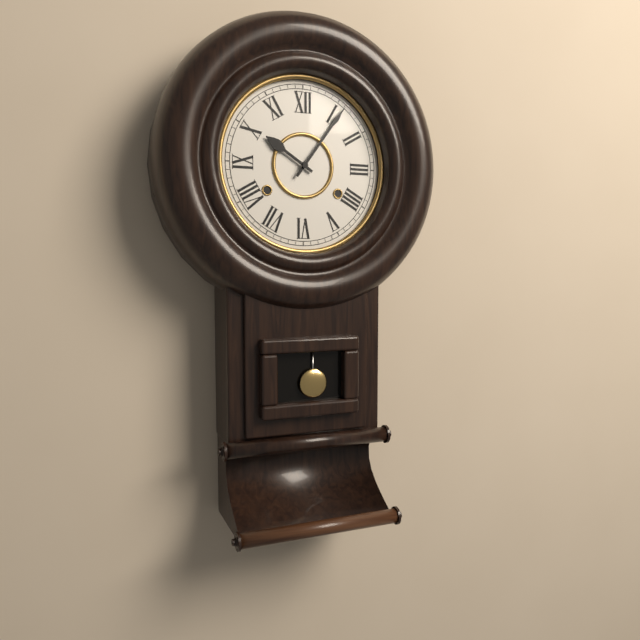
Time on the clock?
10:06
